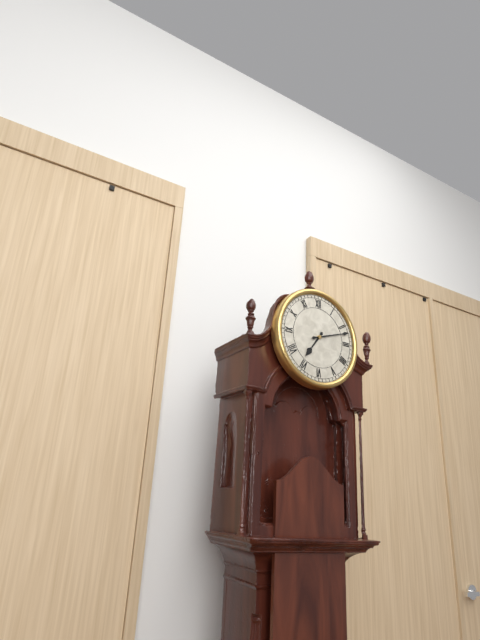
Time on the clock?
7:12
